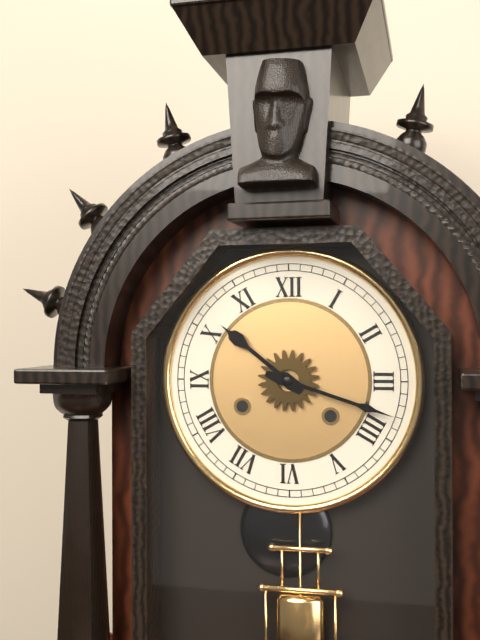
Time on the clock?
10:18
